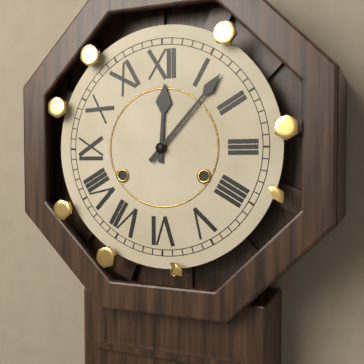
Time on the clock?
12:07
